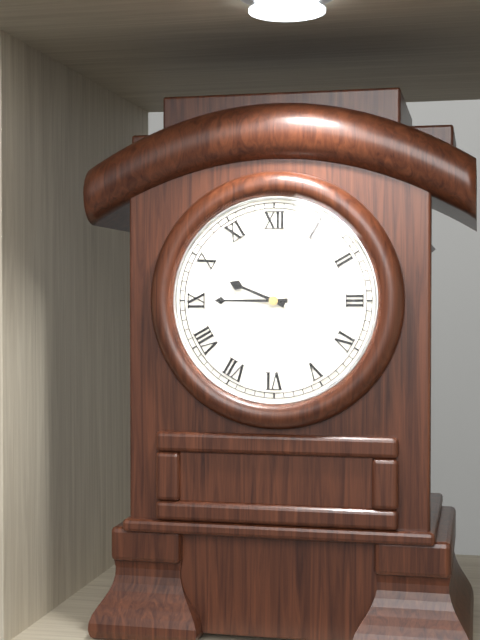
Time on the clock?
9:45
